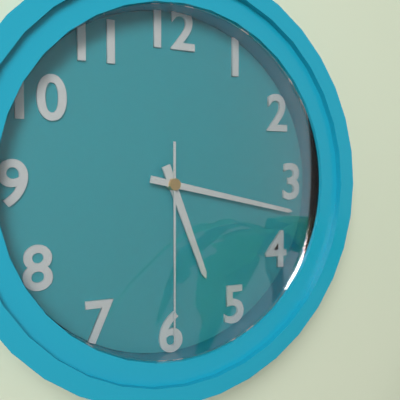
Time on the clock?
5:17:30
